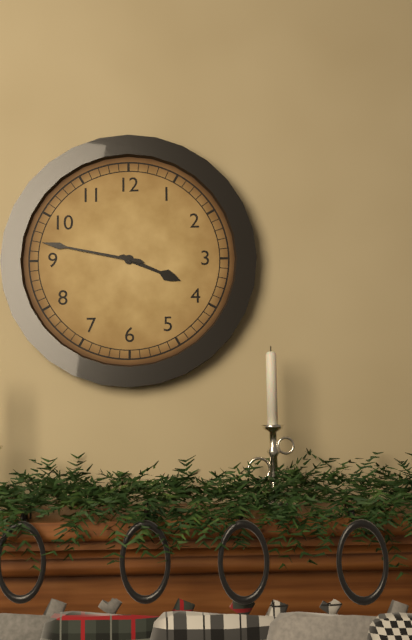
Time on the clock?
3:47
